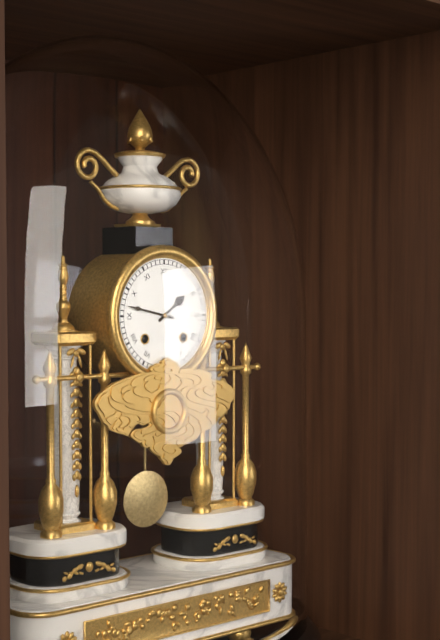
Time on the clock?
1:47
